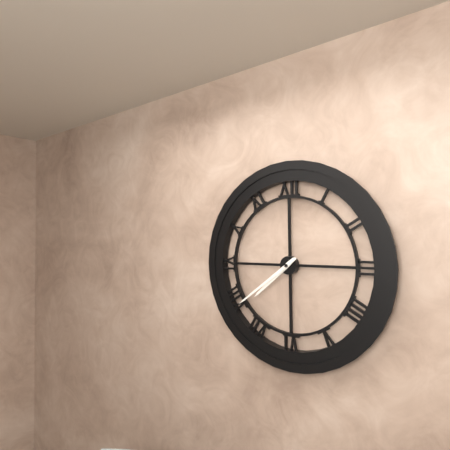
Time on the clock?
7:39
